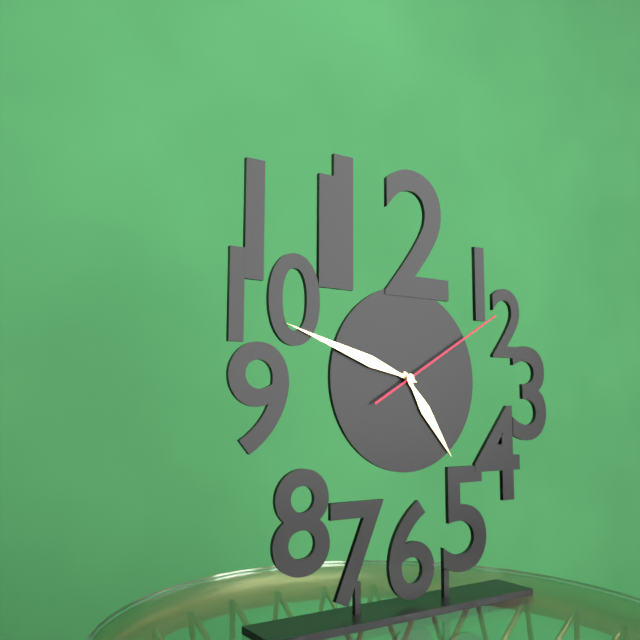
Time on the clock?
4:48:10
